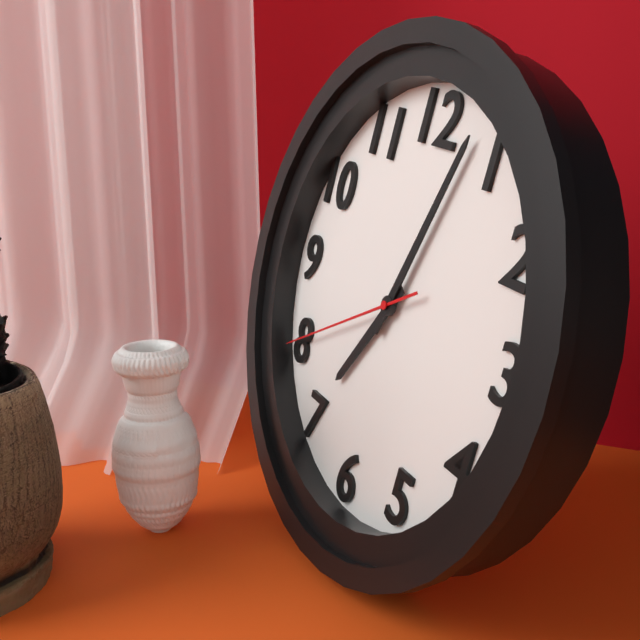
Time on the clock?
7:03:40
